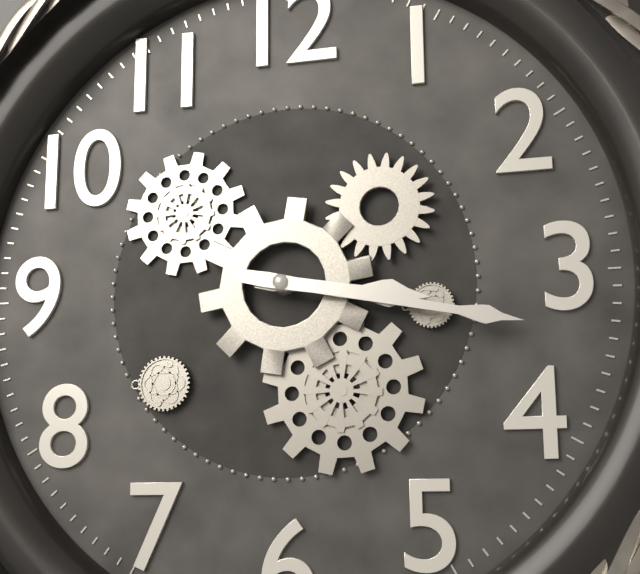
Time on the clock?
3:17
